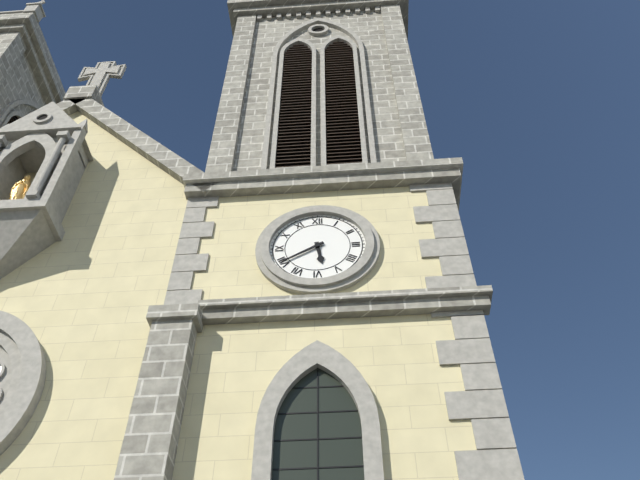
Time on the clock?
5:40
